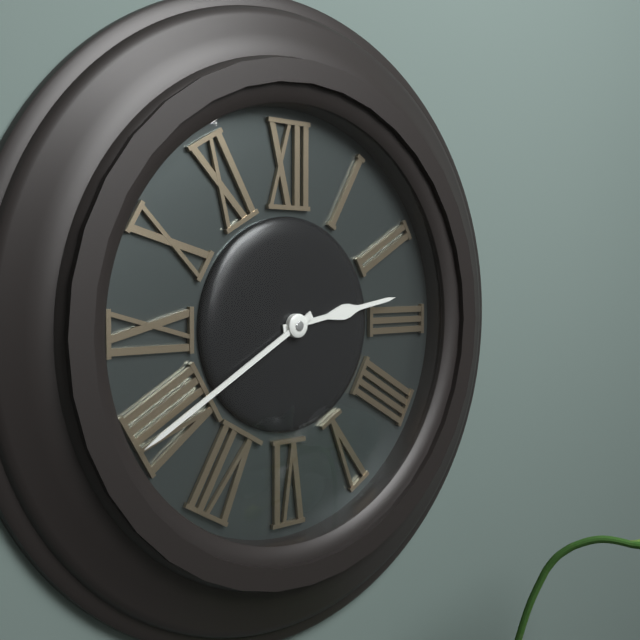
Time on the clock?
2:40
